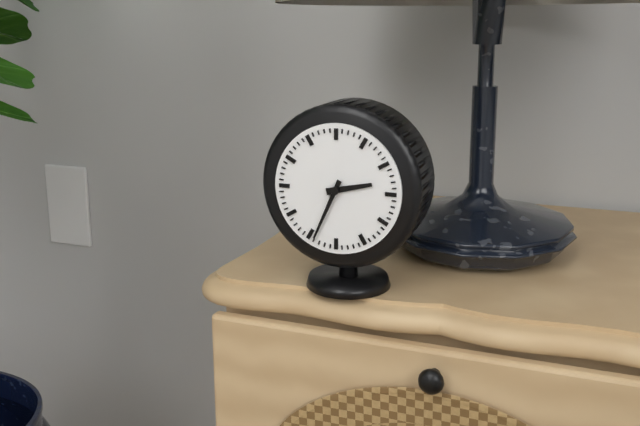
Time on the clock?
2:34
